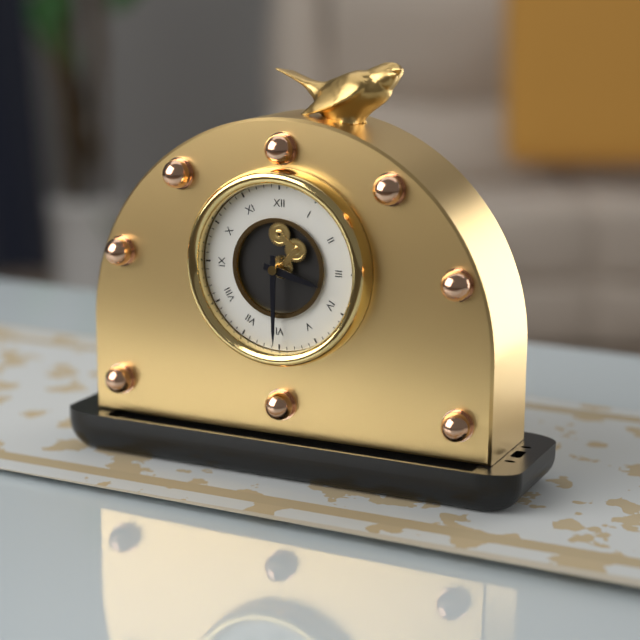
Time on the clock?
3:30
